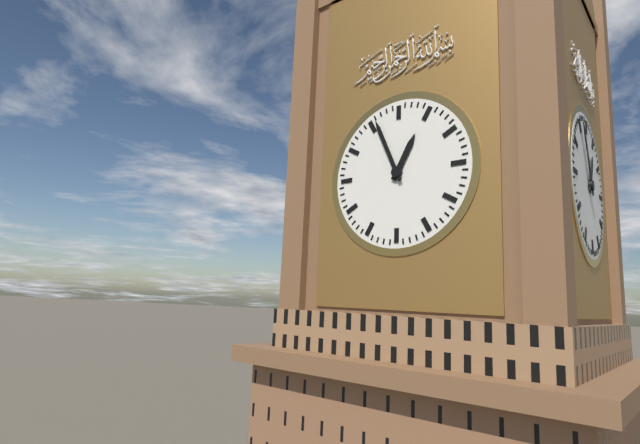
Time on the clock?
12:56
